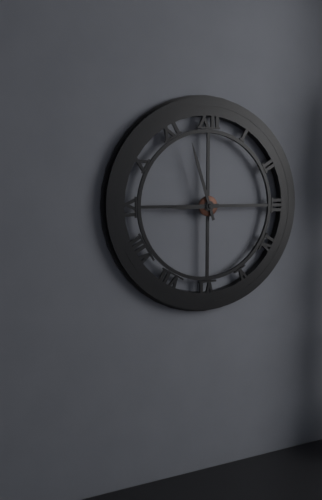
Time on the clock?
8:57
